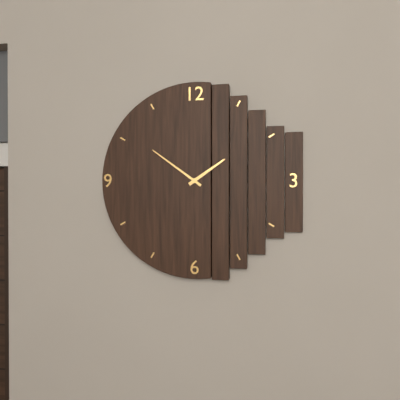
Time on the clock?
1:51
